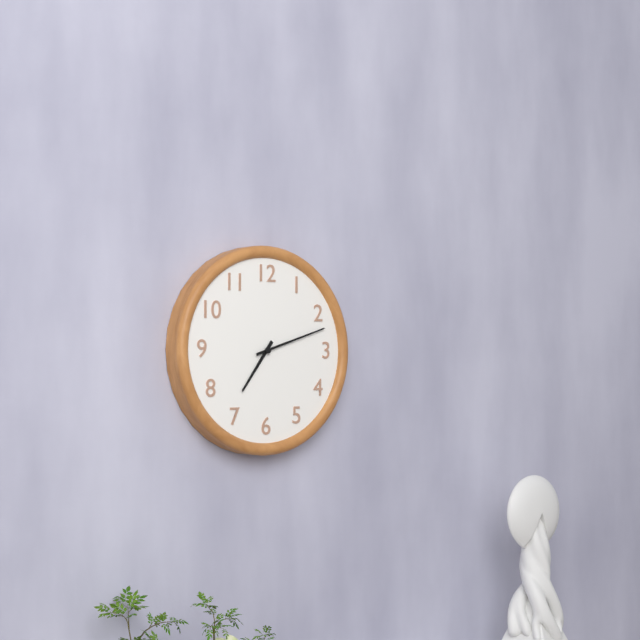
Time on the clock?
7:12
